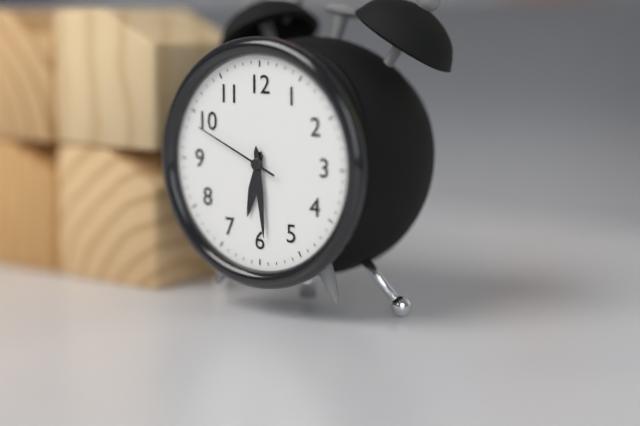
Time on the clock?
6:29:49
